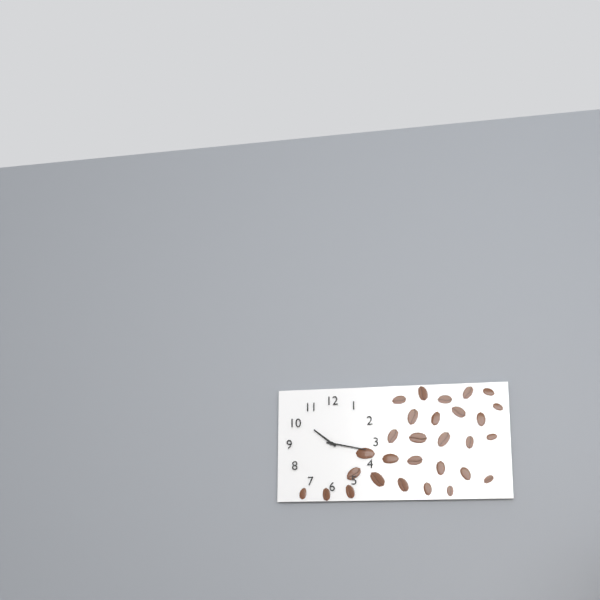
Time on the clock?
10:17
